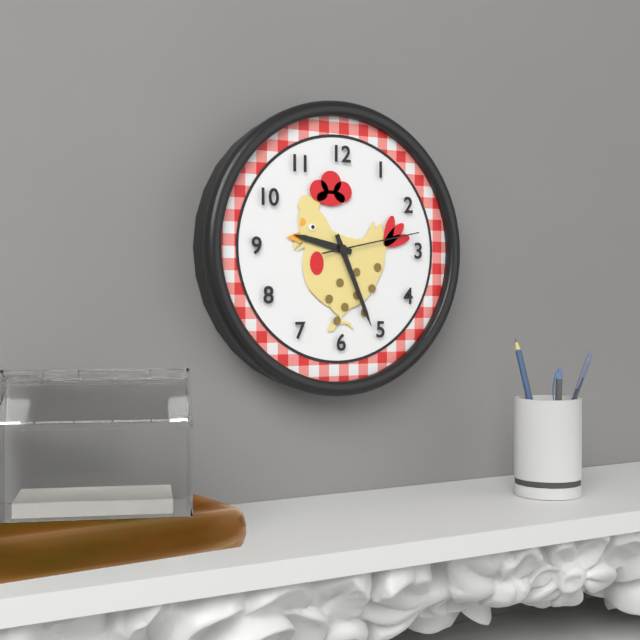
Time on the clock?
9:26:13
